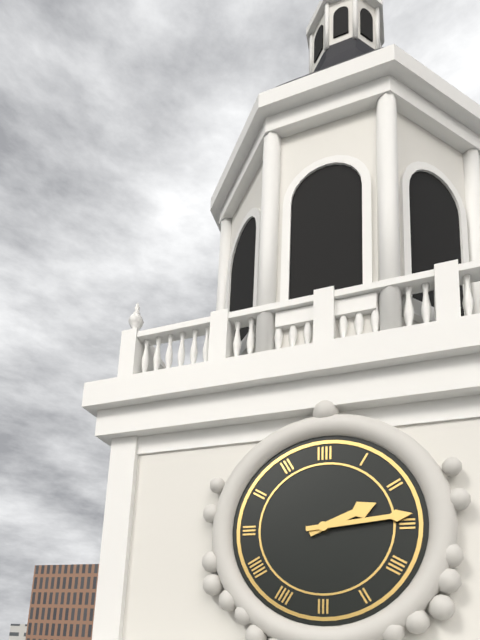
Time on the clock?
2:14
